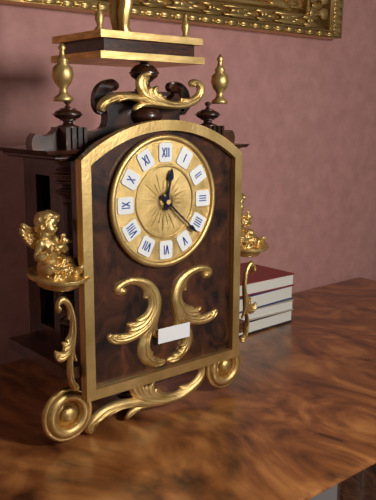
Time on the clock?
12:22
